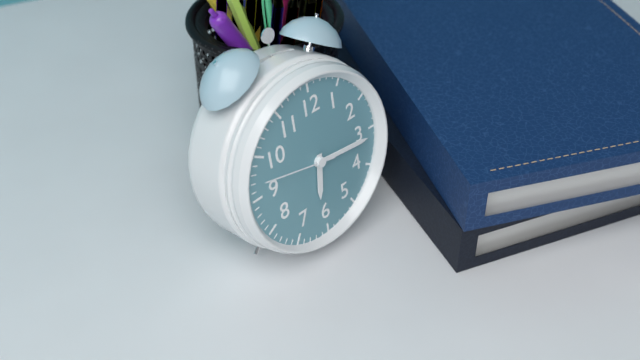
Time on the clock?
6:16:47
